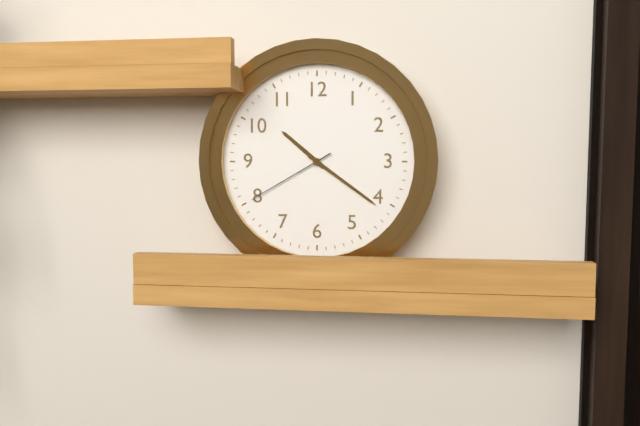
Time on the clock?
10:21:40
